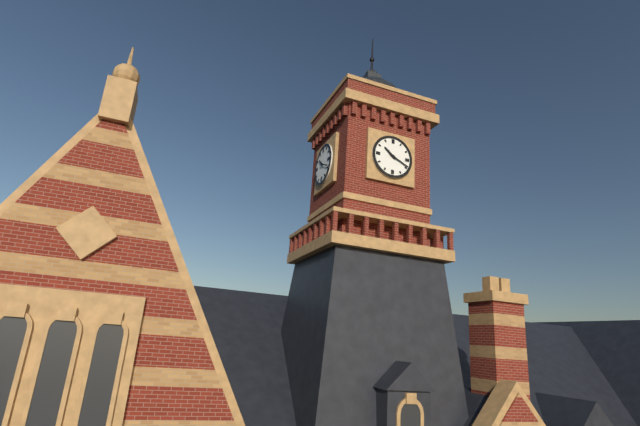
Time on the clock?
10:19
